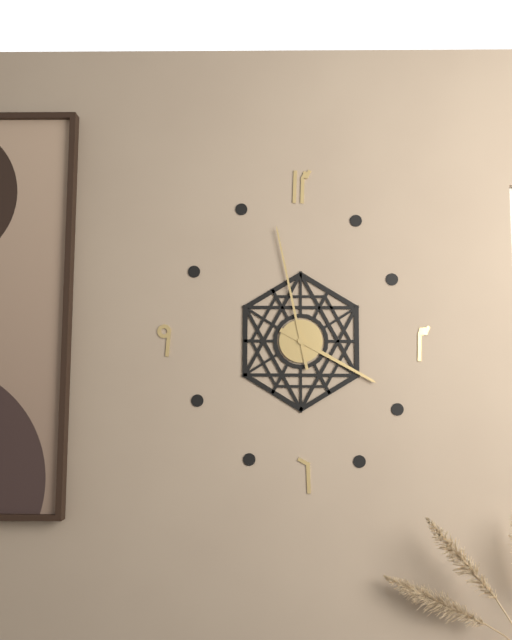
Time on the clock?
3:58
